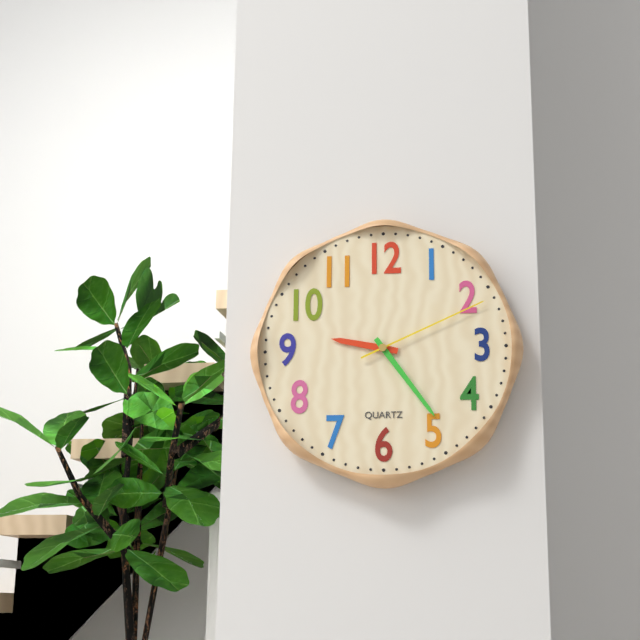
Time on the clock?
9:24:11
